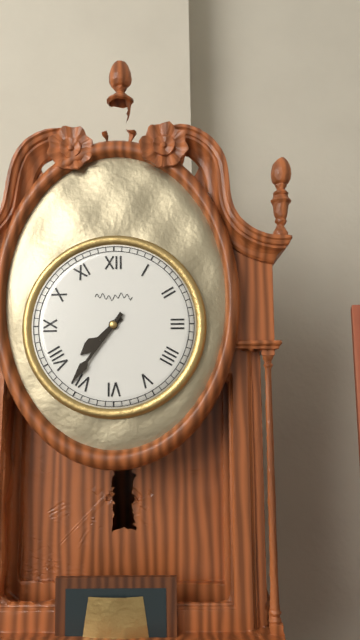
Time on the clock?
7:36
